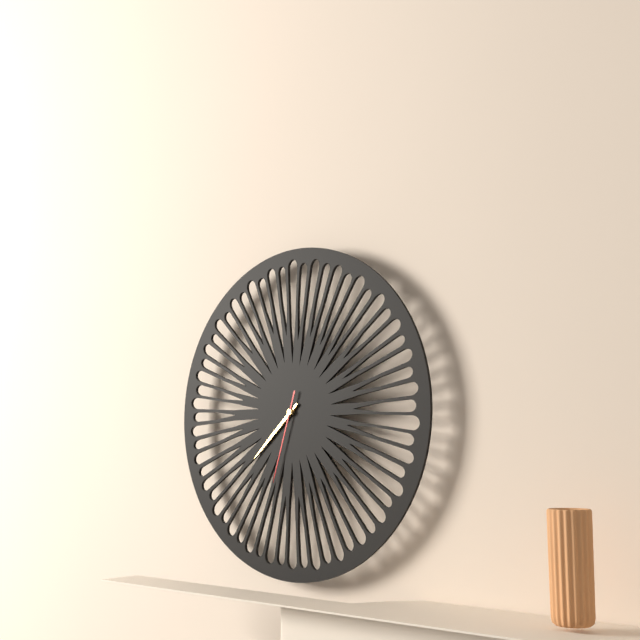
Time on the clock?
7:38:33
